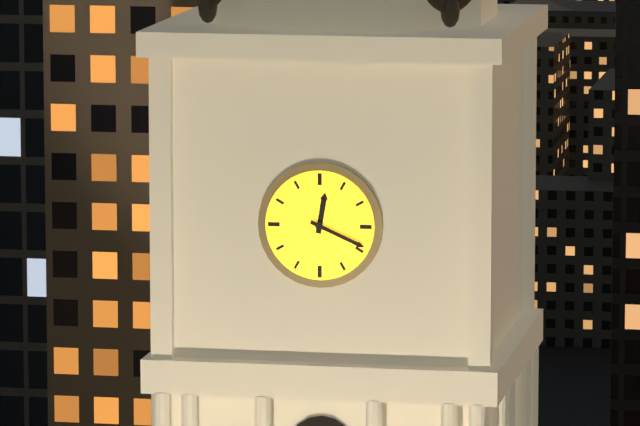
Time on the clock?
12:19
